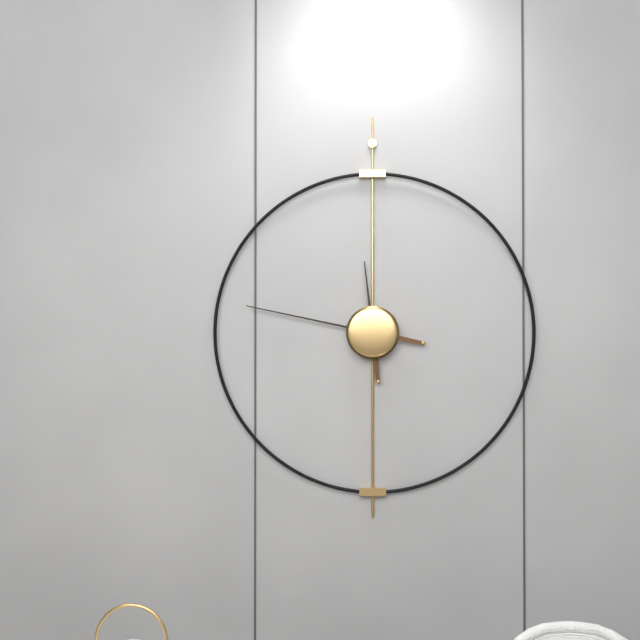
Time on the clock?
11:47
